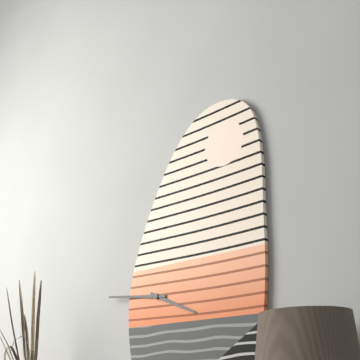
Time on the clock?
3:46
